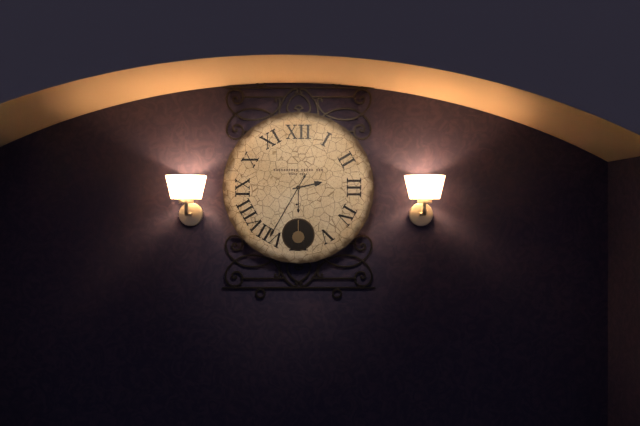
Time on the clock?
2:35
